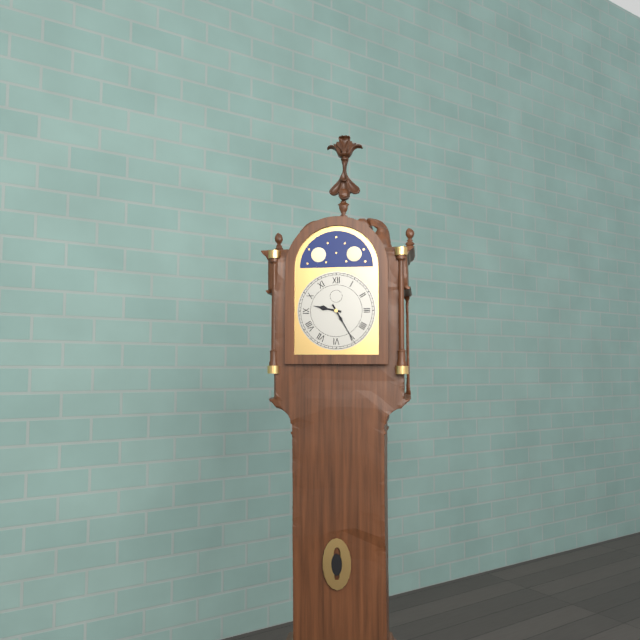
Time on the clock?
9:25
